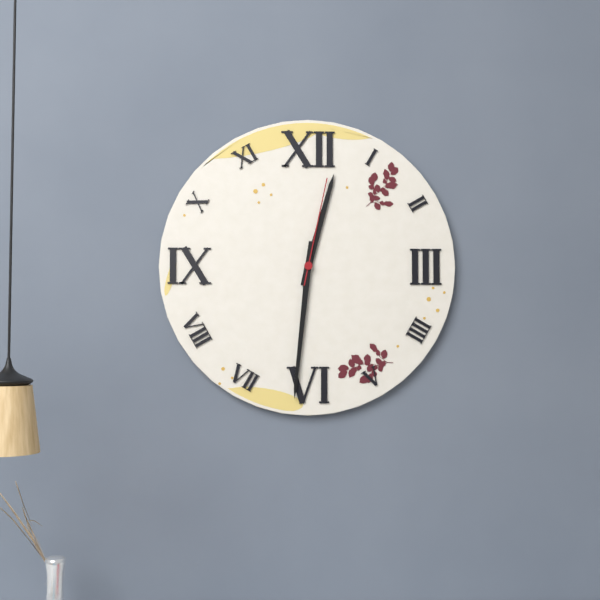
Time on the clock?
12:31:02
